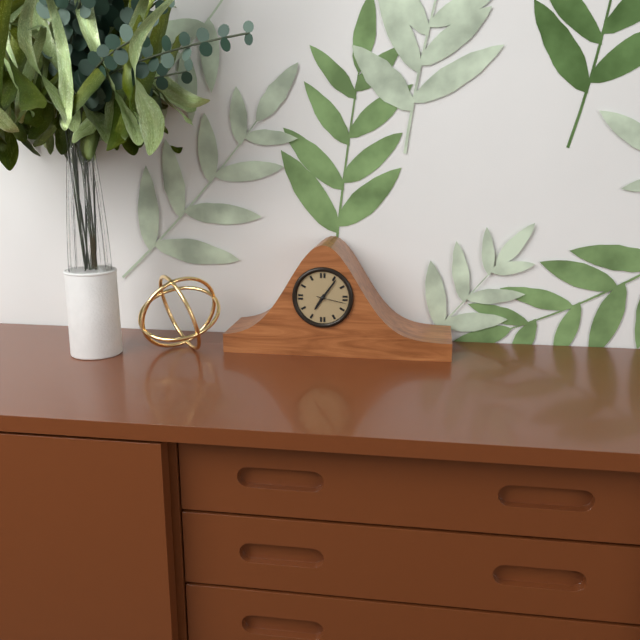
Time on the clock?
7:06
